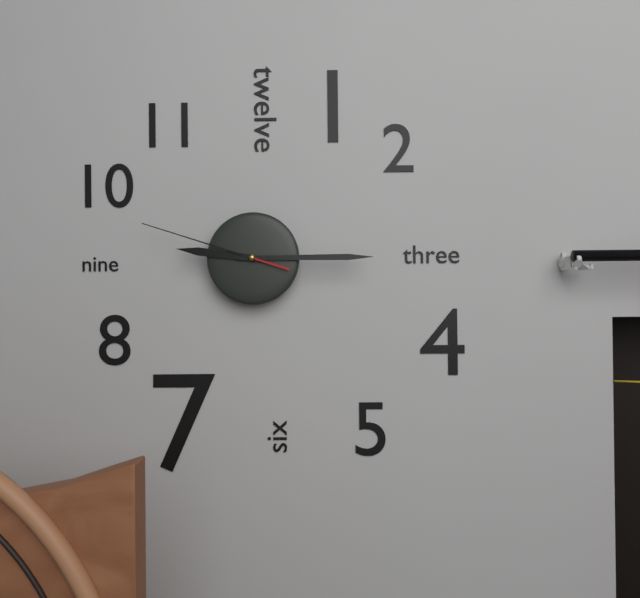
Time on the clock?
9:15:48
